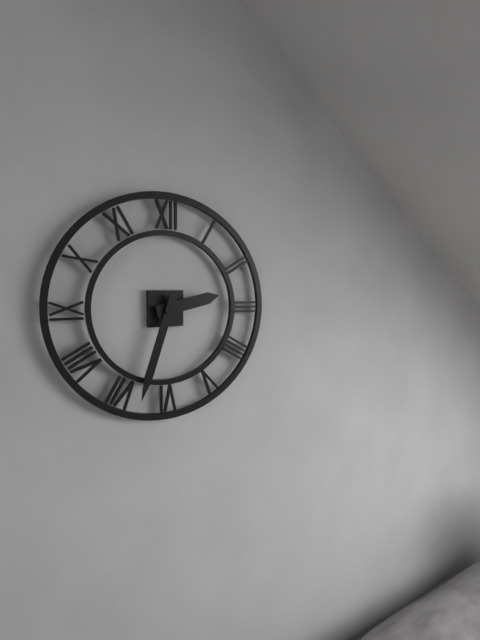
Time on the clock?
2:33
